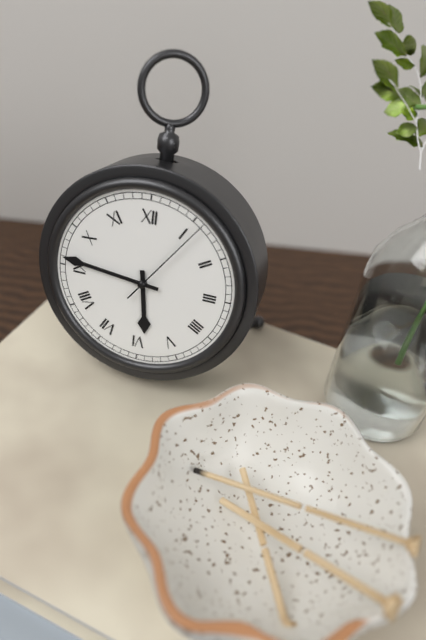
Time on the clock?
5:46:06
